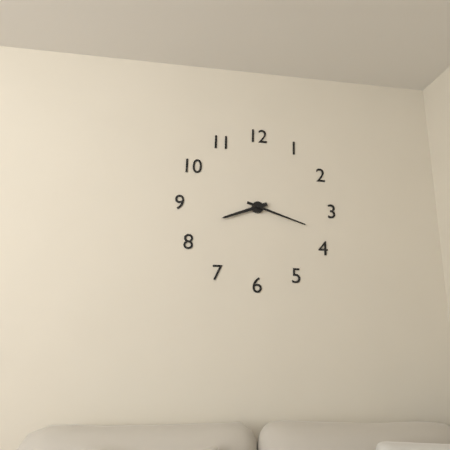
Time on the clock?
8:18
